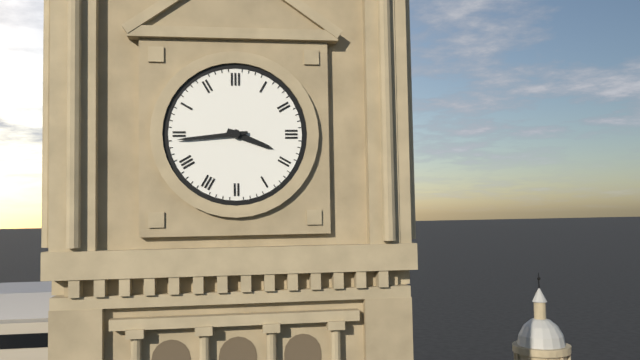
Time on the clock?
3:44
